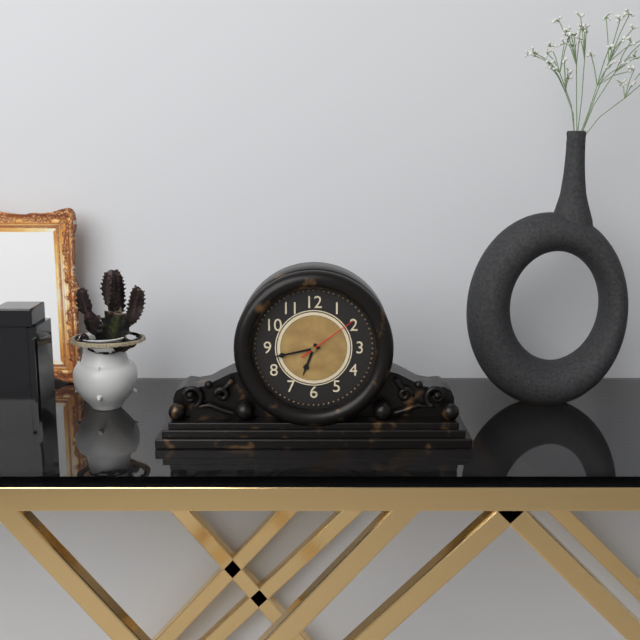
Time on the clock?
6:43:09
